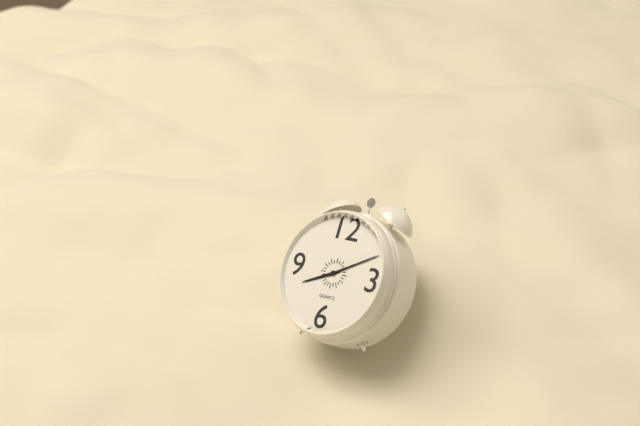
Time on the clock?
8:10
